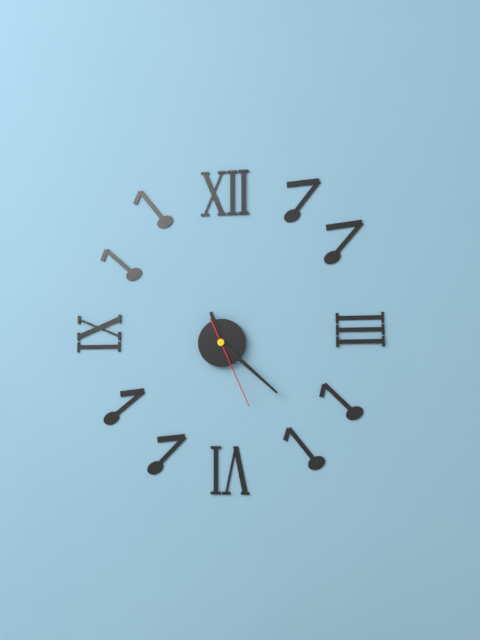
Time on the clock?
11:22:26
